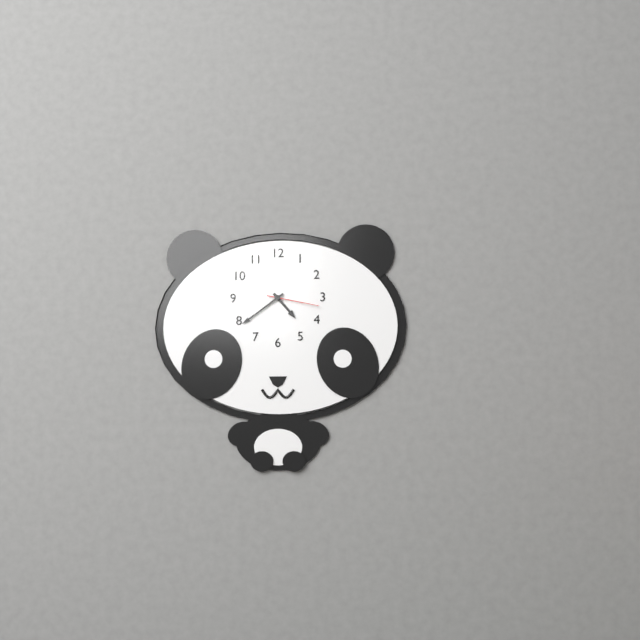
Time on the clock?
4:39:17
